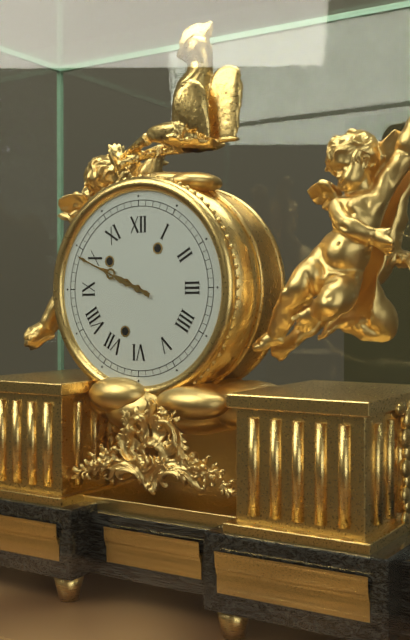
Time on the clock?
9:49
